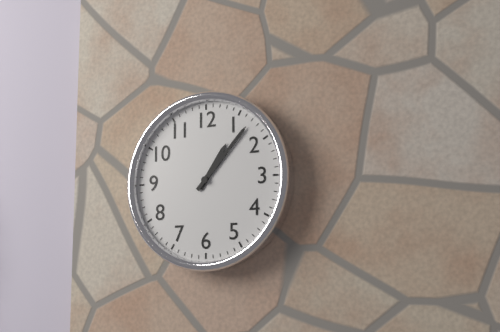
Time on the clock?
1:07
